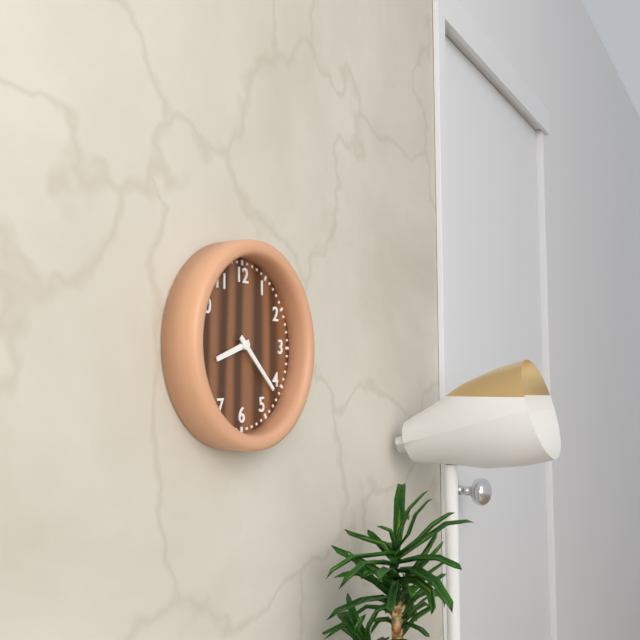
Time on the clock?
8:22
